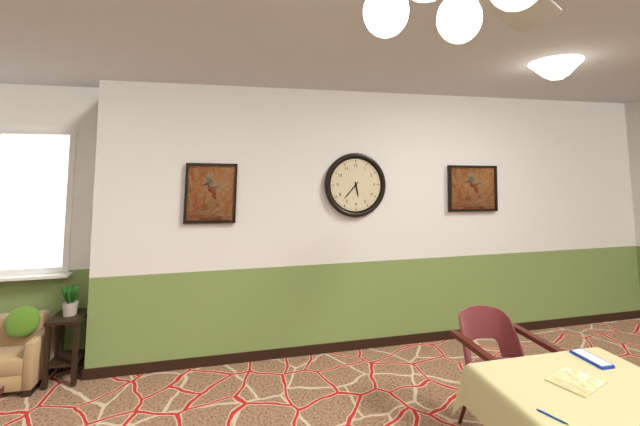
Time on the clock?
5:37
